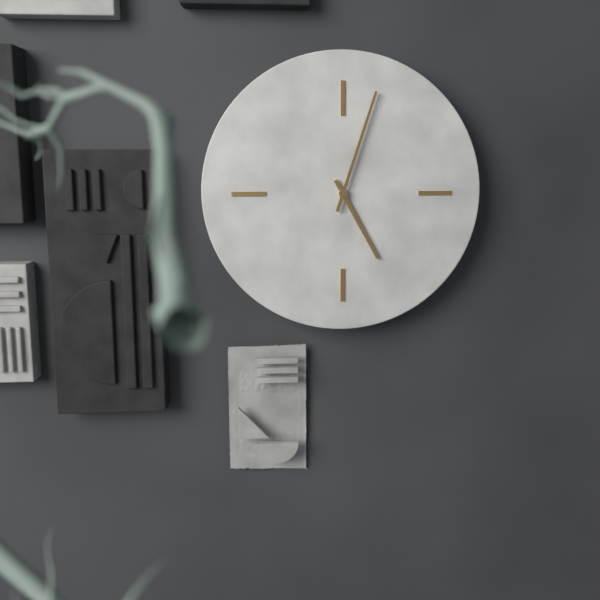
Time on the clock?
5:03
